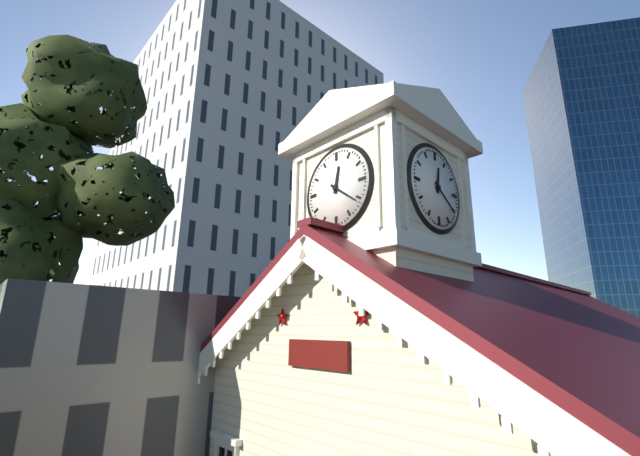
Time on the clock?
12:21
